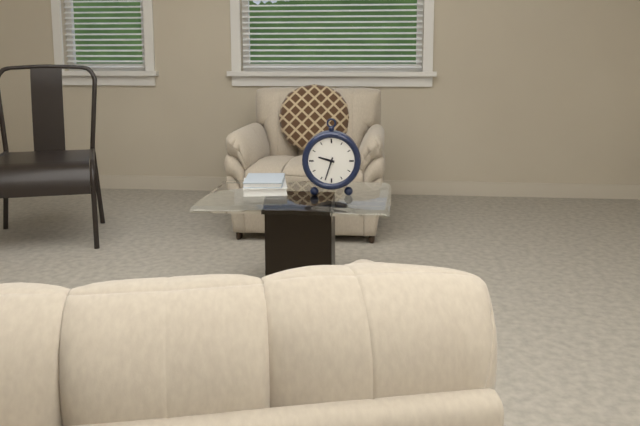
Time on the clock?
9:33
